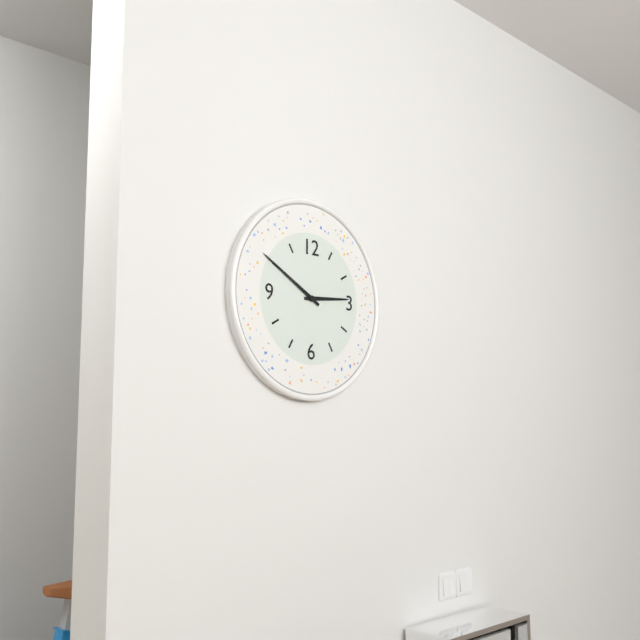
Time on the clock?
2:50
